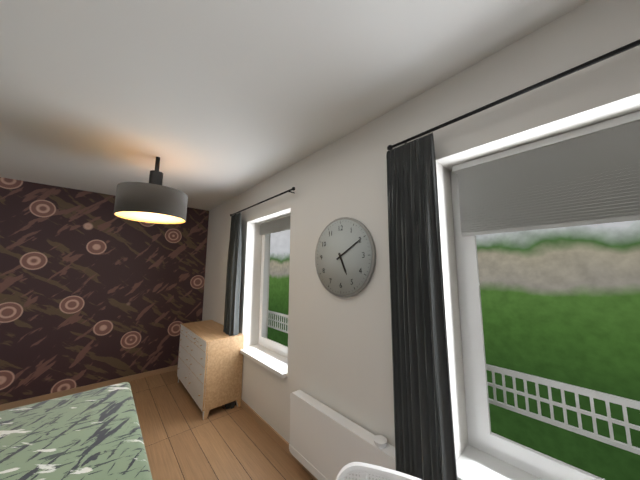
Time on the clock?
5:10
